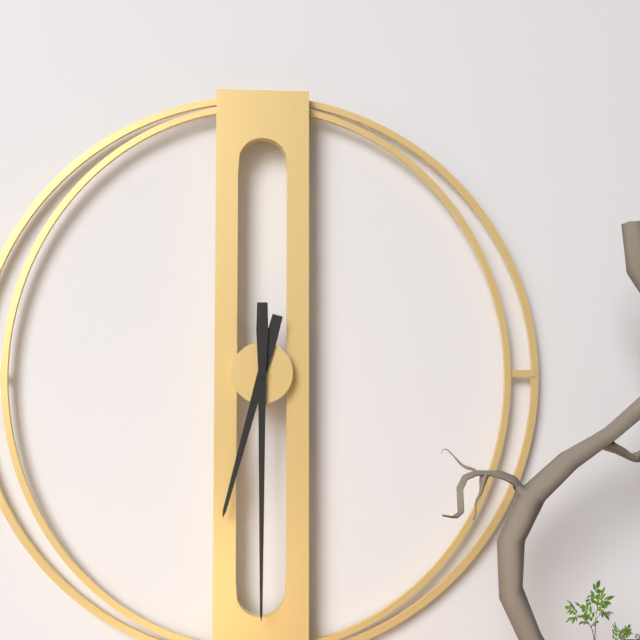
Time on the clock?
6:30
